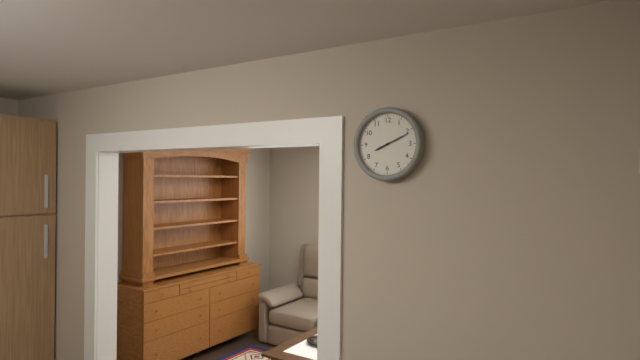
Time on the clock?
8:11
